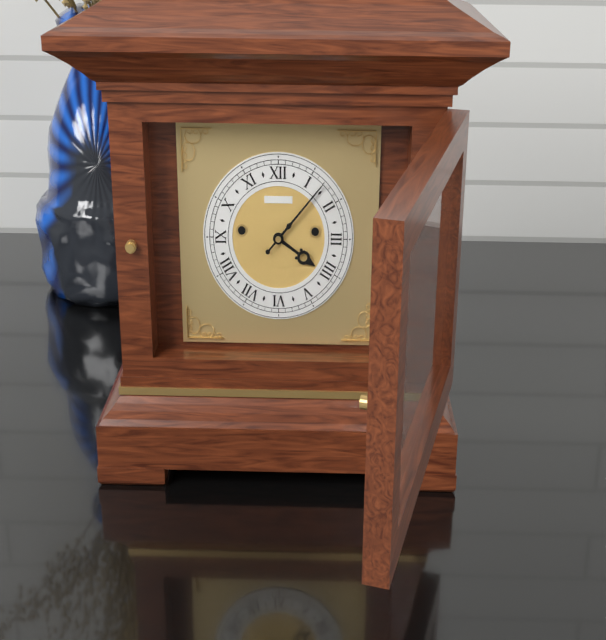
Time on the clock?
4:07
